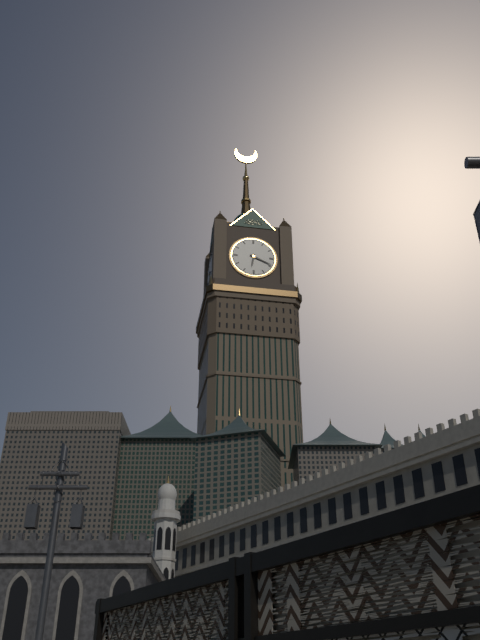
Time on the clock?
6:19
